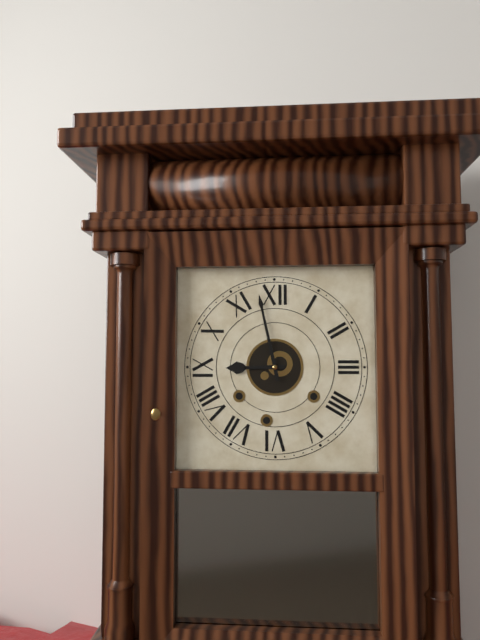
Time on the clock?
8:58
